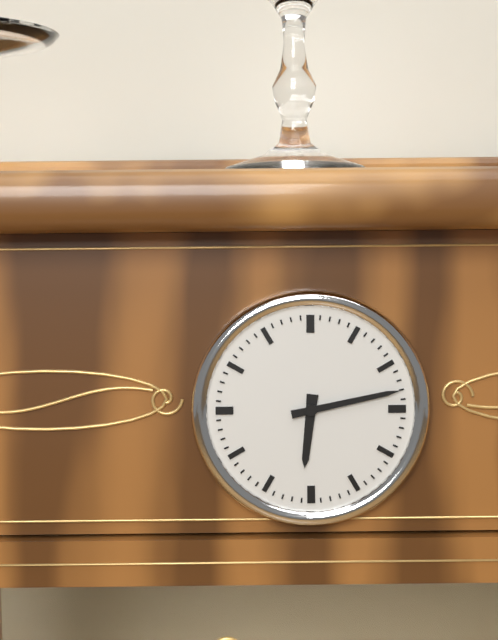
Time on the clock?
6:13
